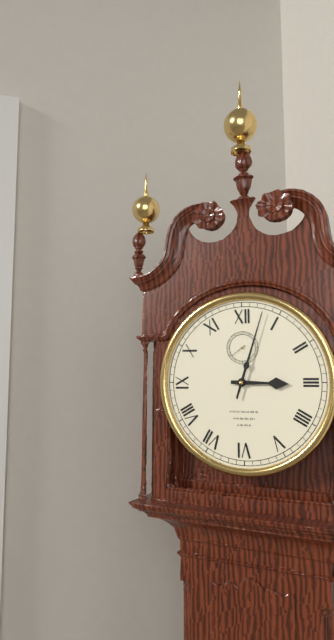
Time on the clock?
3:03
